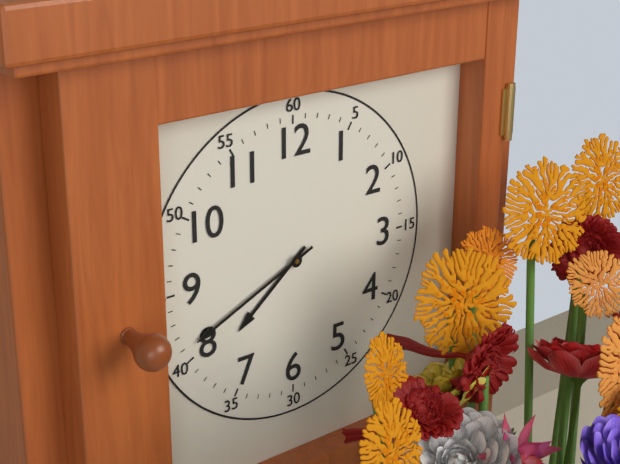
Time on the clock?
7:41
